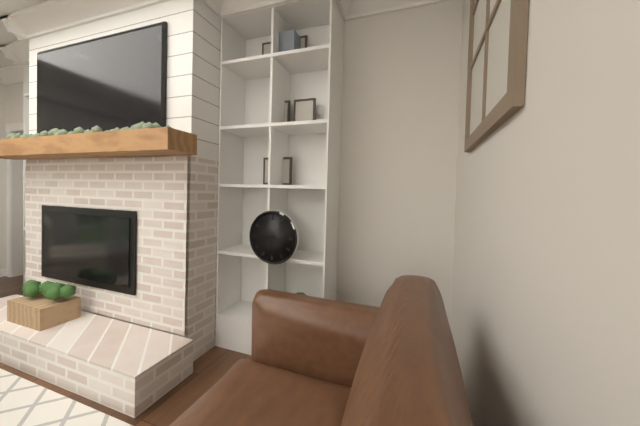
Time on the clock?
6:46
